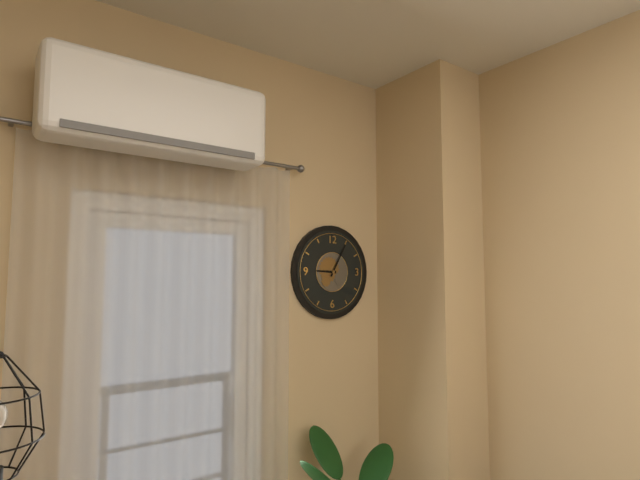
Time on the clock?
9:05
